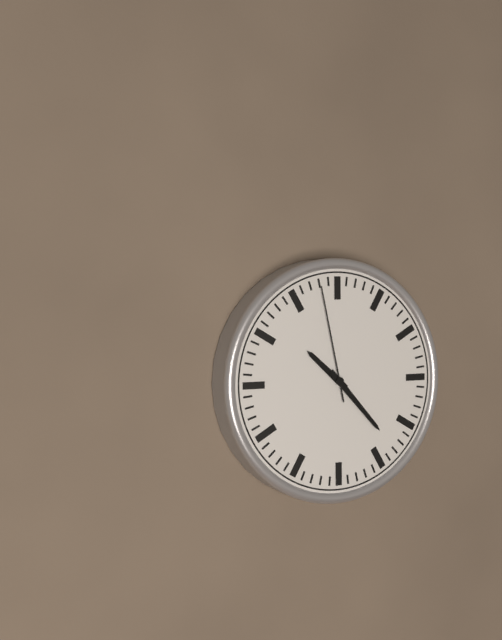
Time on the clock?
10:23:58
